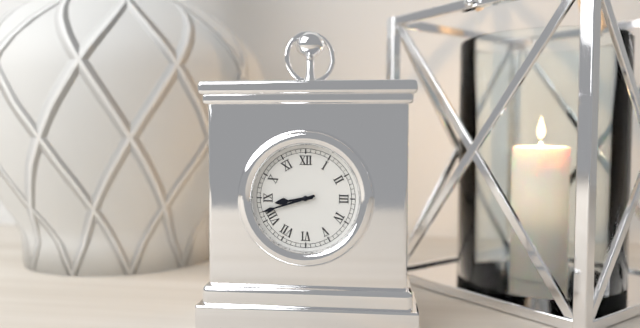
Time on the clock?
8:42
